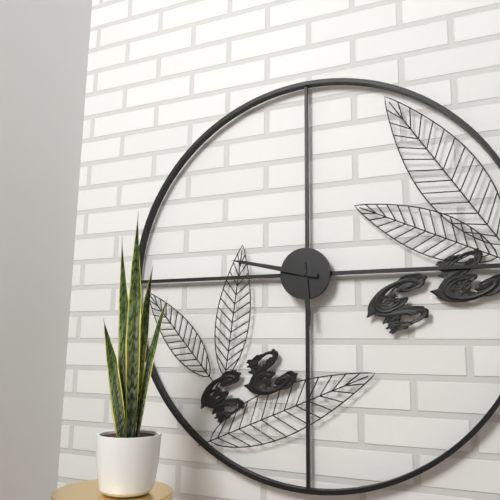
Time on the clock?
5:47
